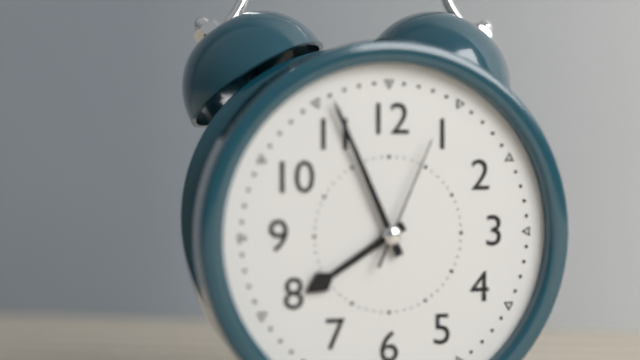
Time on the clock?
7:56:04
